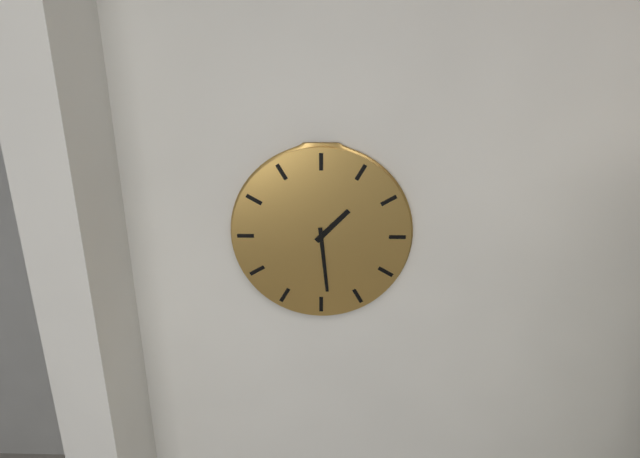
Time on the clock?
1:29
